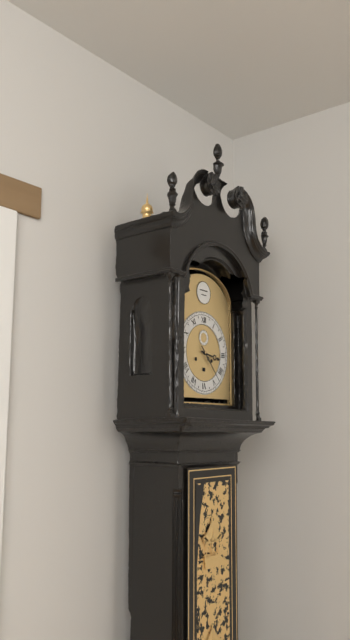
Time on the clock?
3:23
